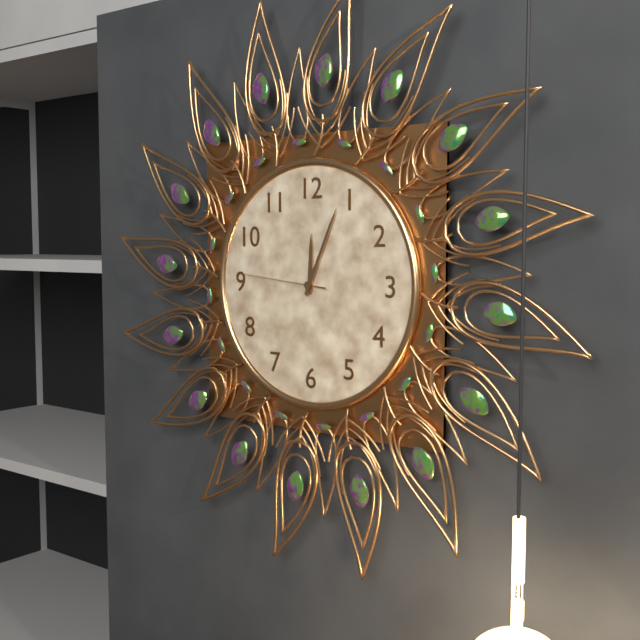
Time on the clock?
12:04:46
